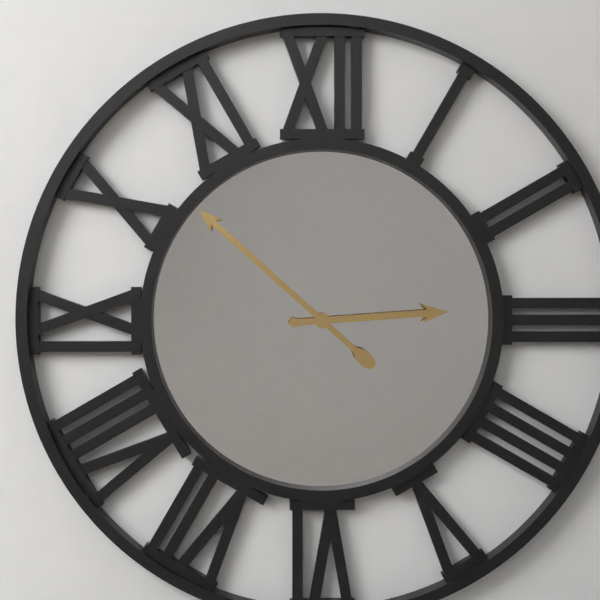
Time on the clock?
2:52
